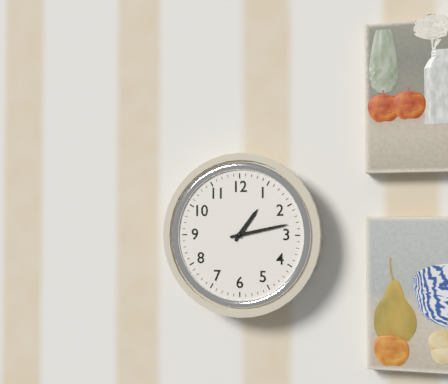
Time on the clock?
1:13
